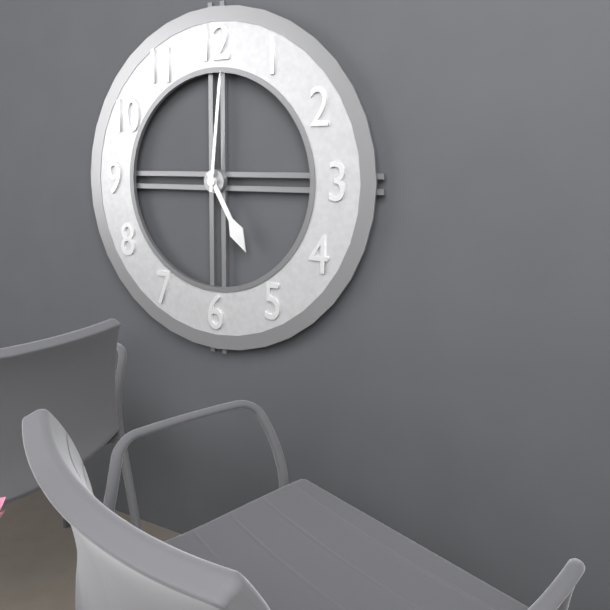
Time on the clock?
5:01
